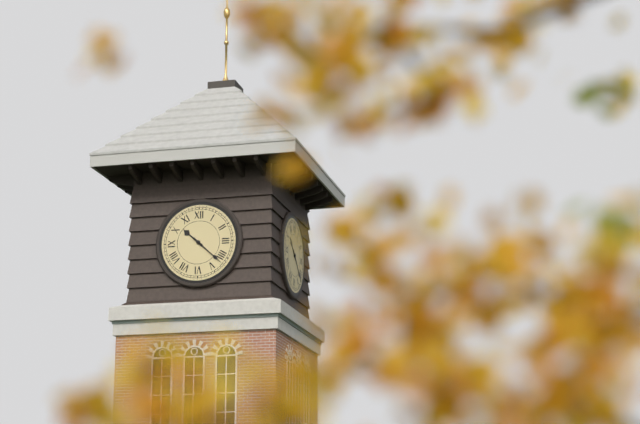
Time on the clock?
10:22
